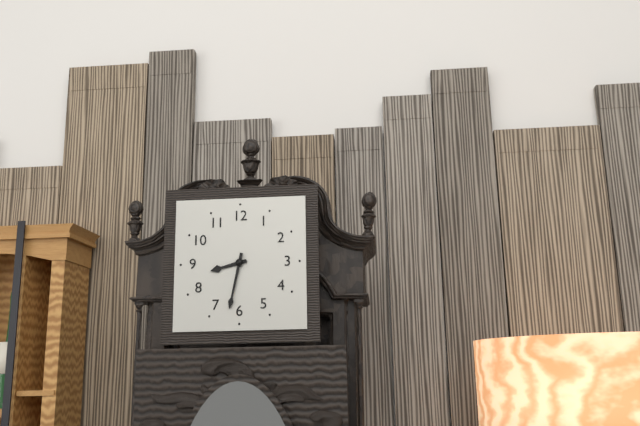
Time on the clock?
8:32
